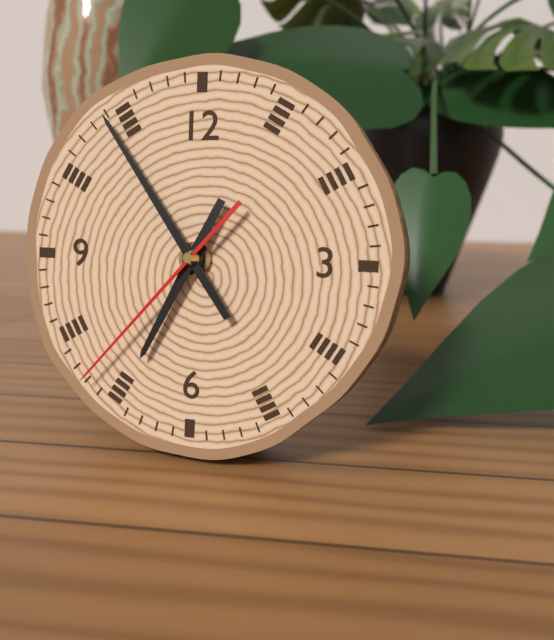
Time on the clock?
6:54:37
